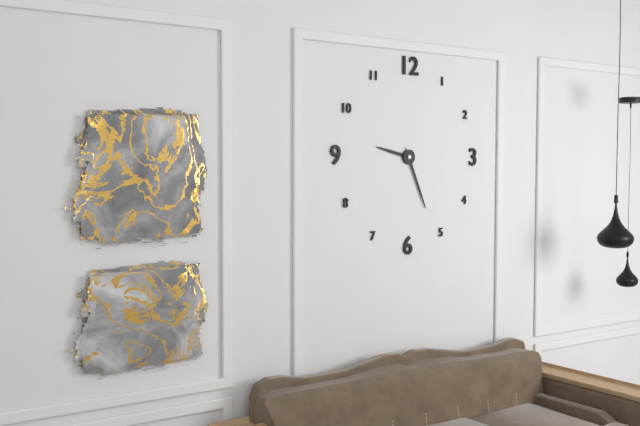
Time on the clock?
9:26
